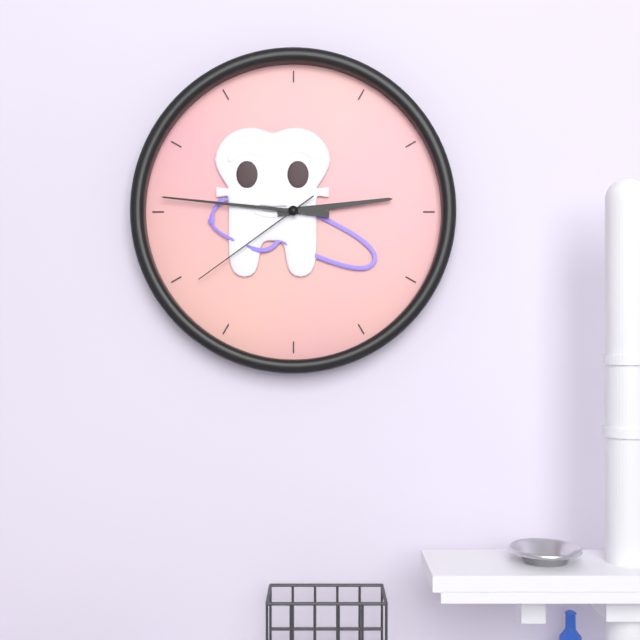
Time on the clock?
2:46:39
